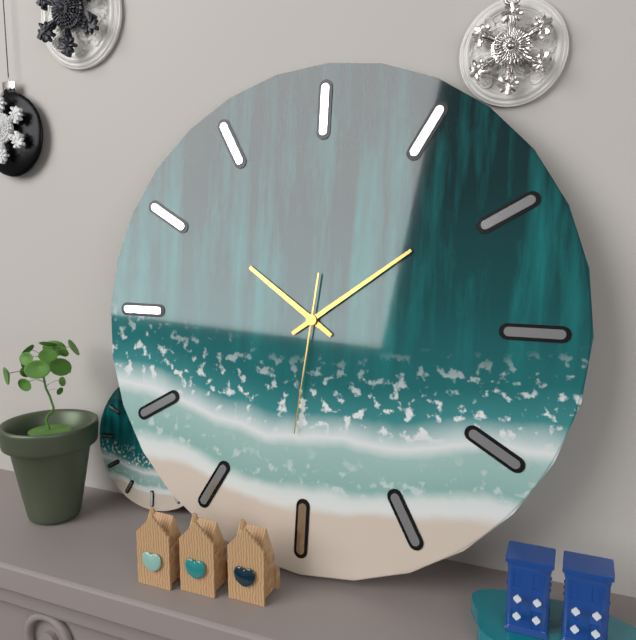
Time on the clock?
10:09:31
